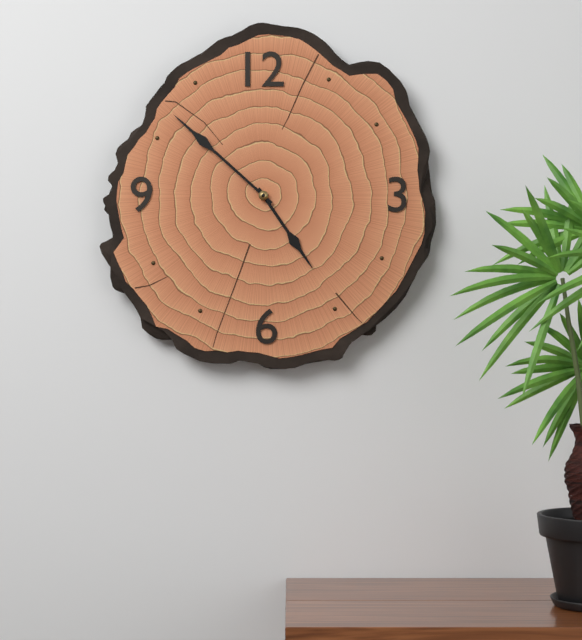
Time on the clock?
4:52
